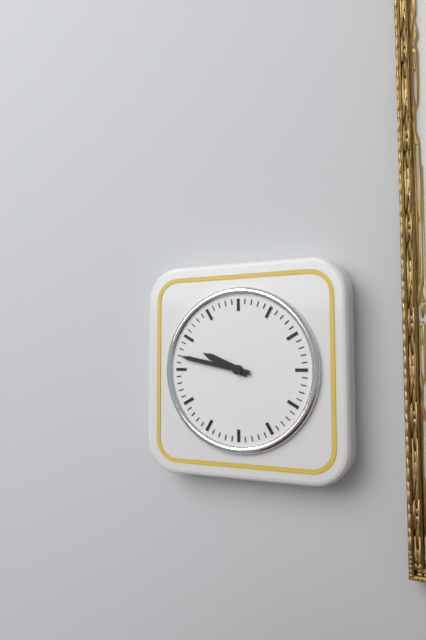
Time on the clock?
9:47
